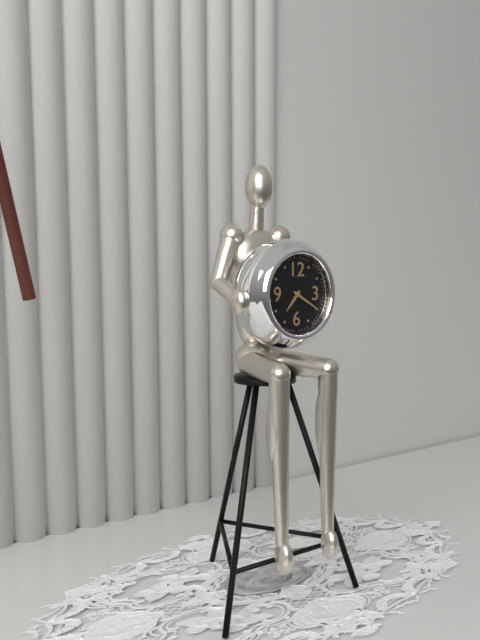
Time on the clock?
7:20
